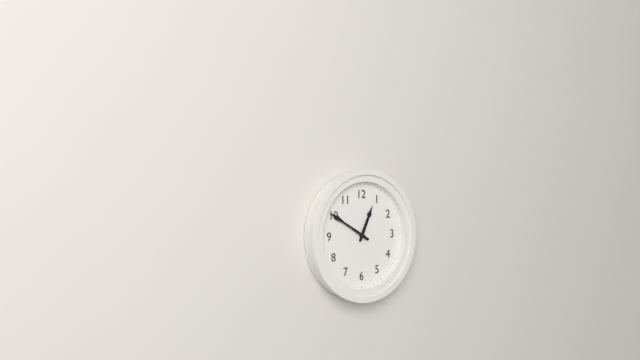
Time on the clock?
12:50
